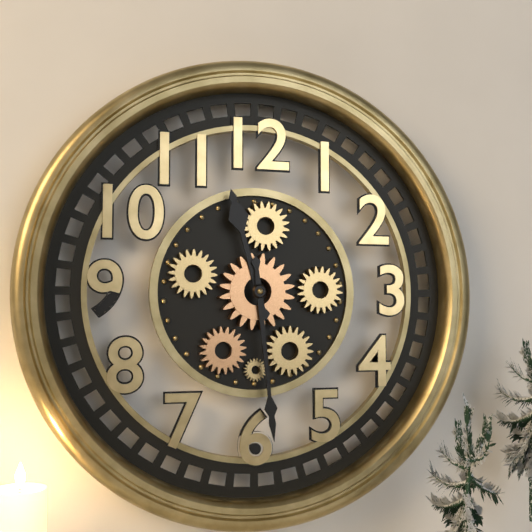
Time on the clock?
11:29
